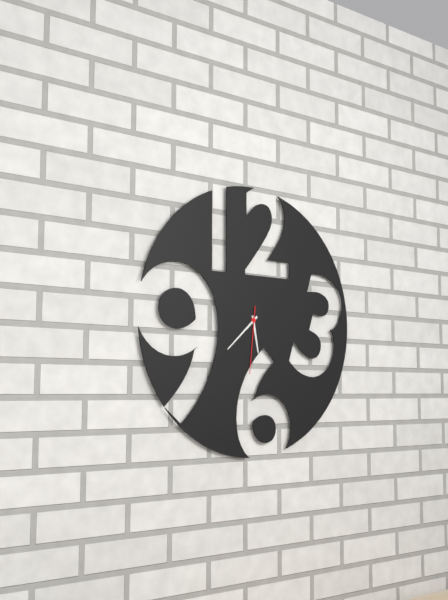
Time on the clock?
5:38:31
